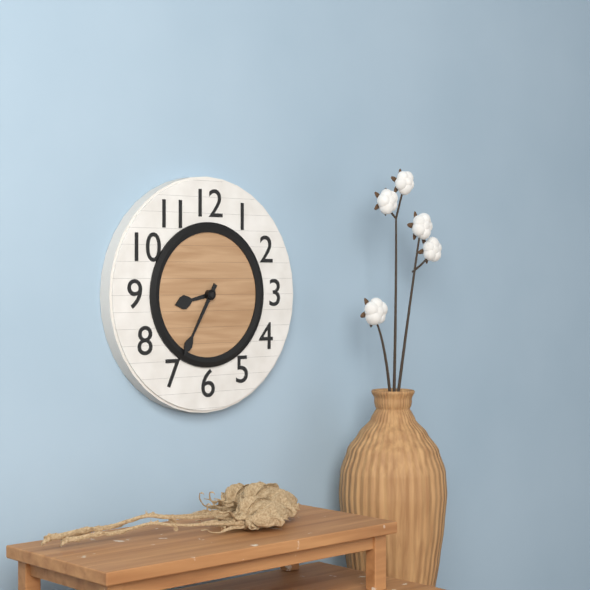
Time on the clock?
8:35
